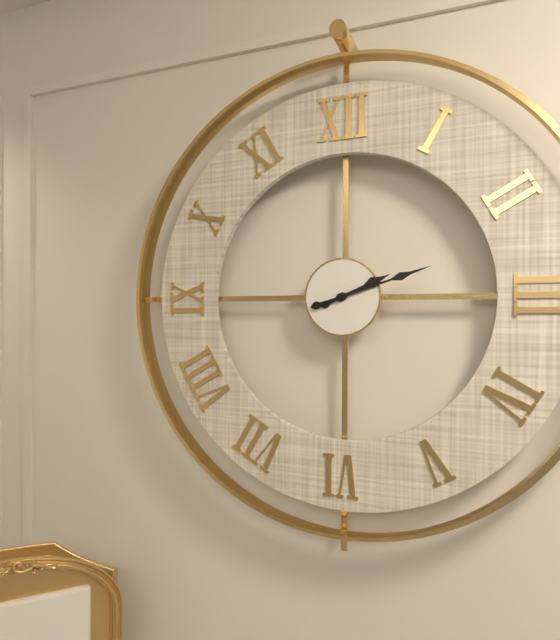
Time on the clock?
2:12
